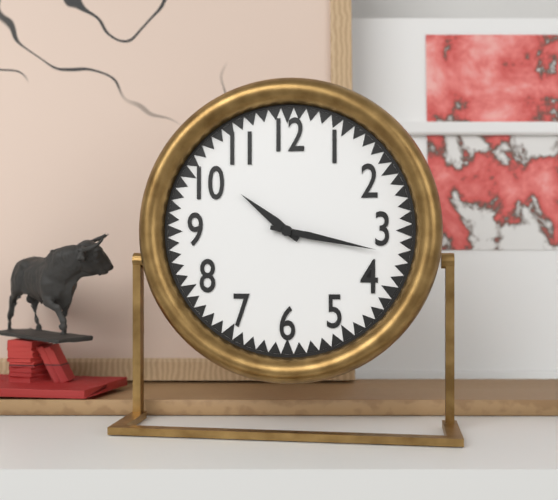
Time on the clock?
10:17
